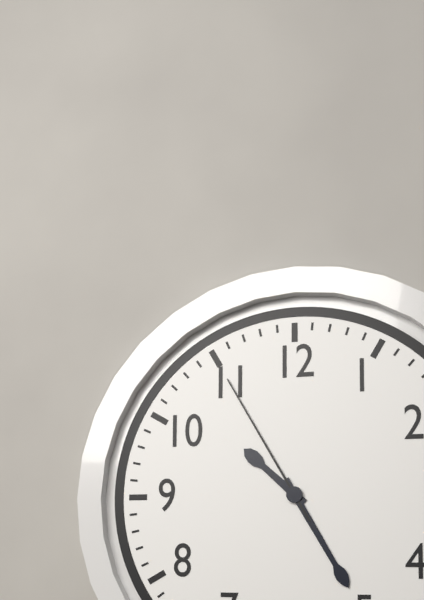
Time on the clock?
10:25:55
